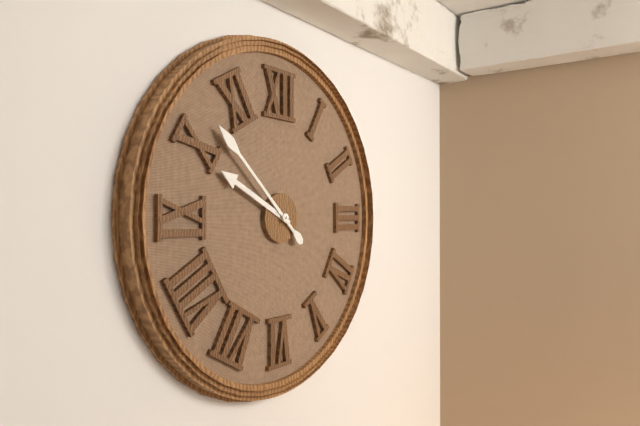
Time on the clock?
9:52
